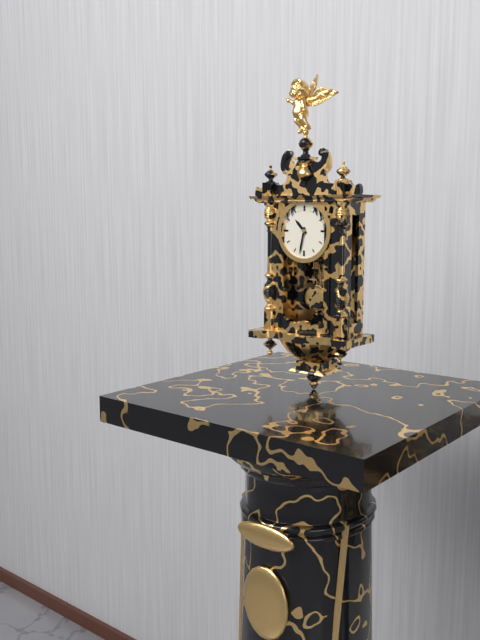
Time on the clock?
10:32
